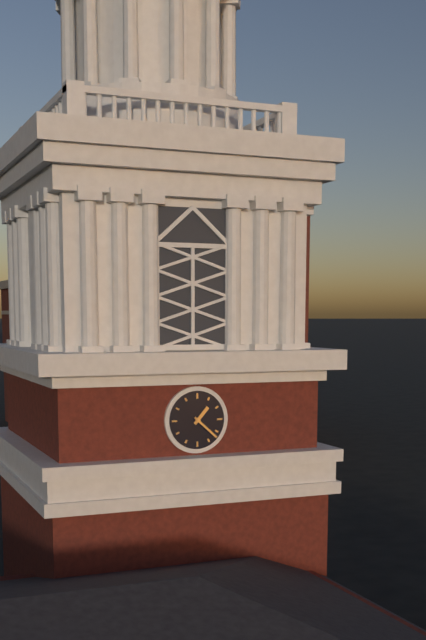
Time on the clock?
1:22
